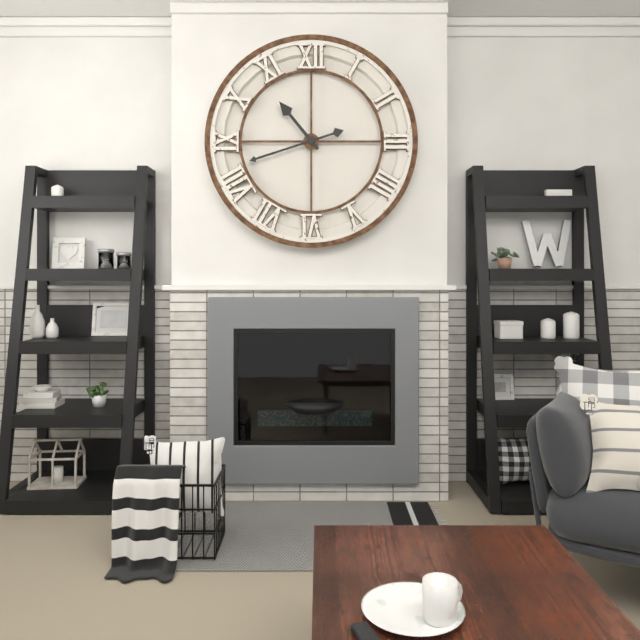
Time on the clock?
10:42
